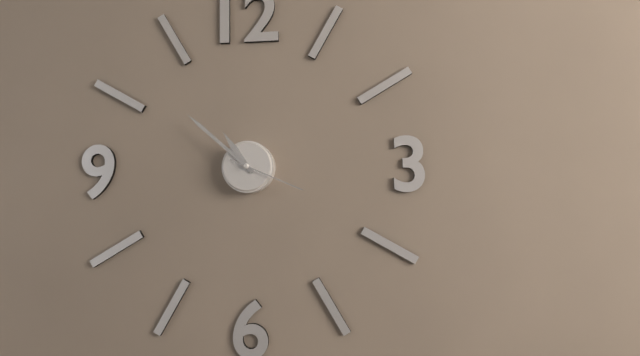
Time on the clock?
10:52:19
